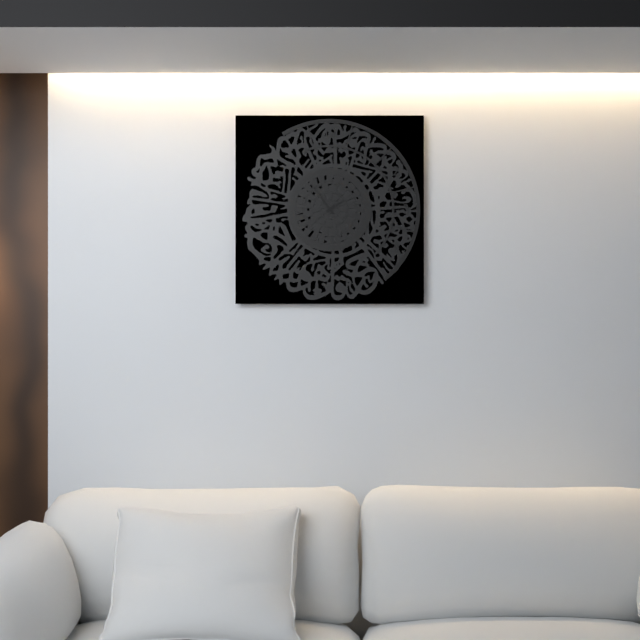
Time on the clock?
1:54
